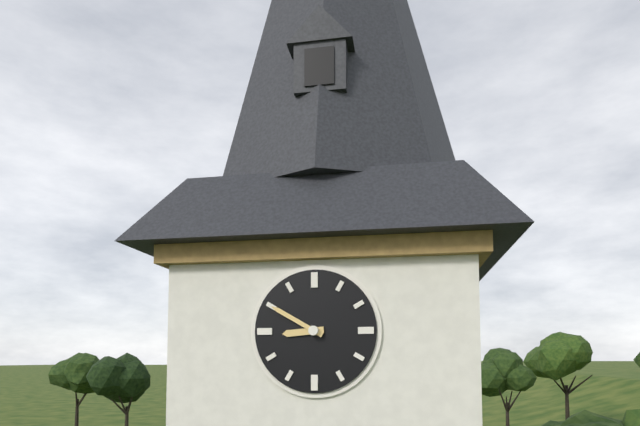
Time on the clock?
8:50
